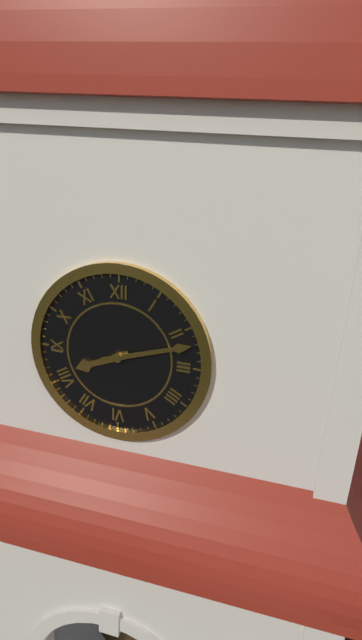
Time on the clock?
8:12
